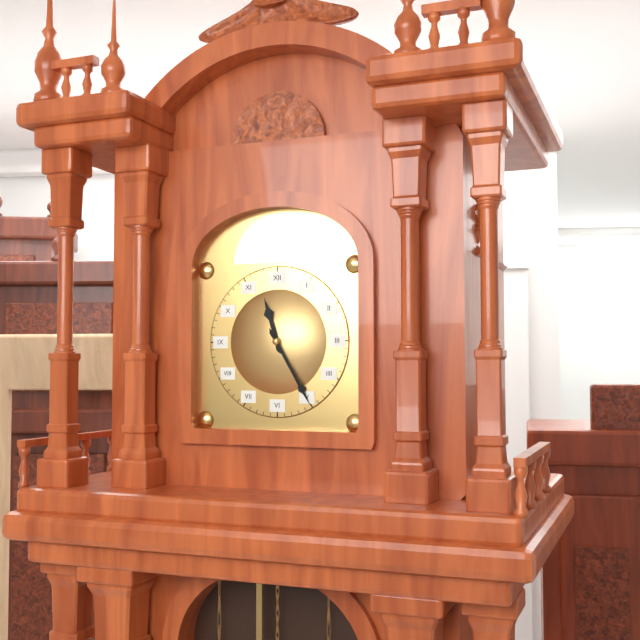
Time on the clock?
11:25
